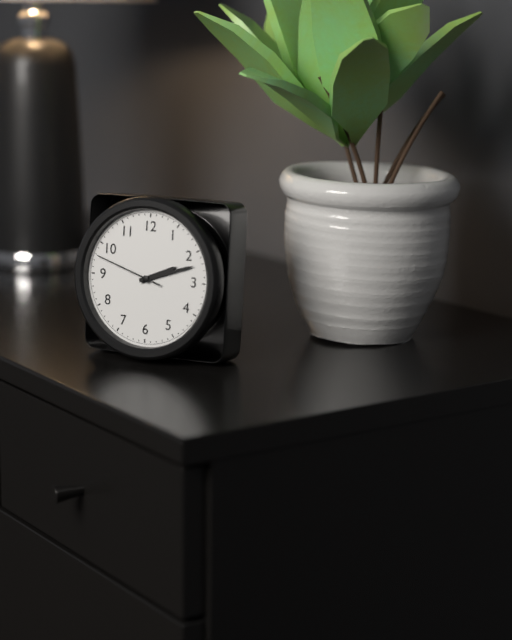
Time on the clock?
2:12:48
